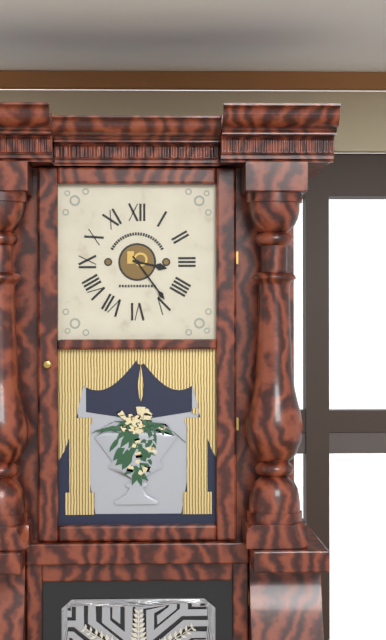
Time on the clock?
3:24
